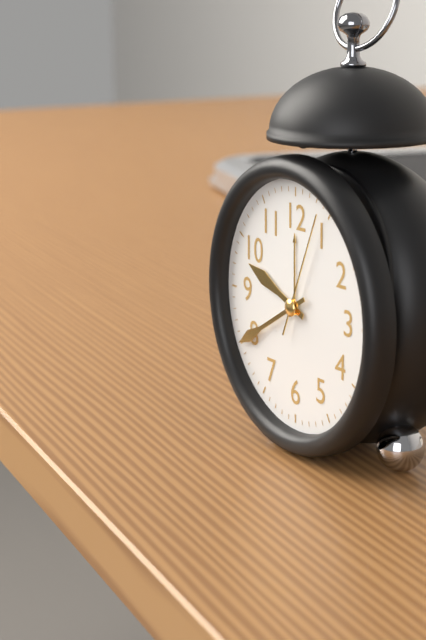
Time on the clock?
9:40:04
